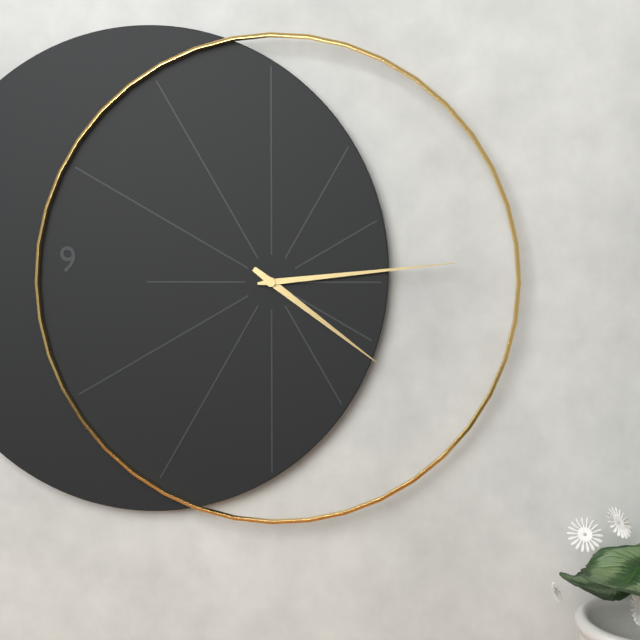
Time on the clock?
4:14
